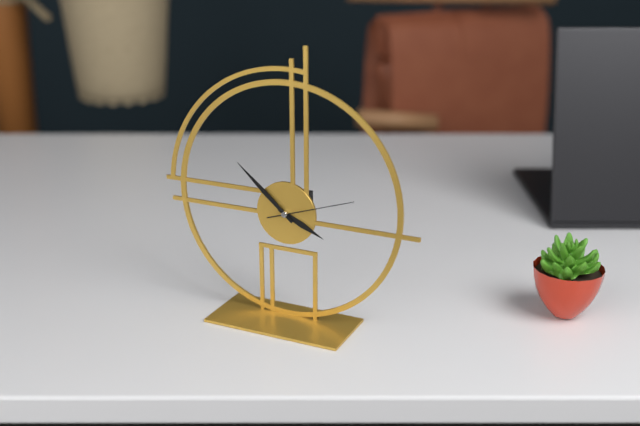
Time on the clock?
3:52:12
